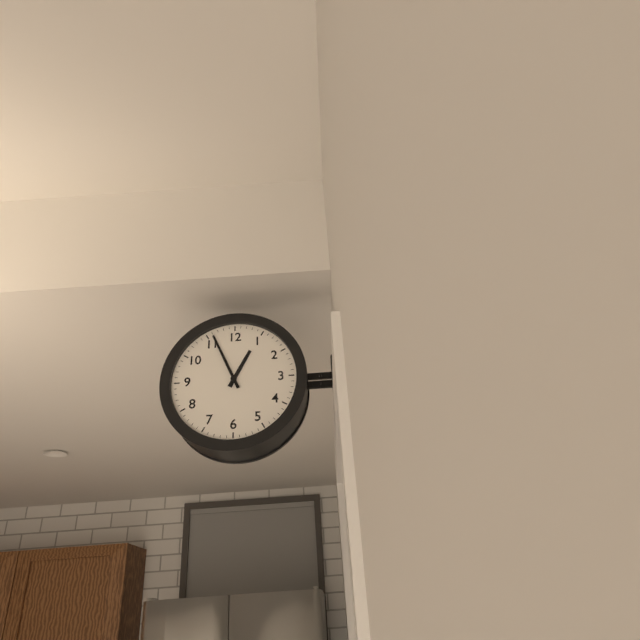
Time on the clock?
12:56
